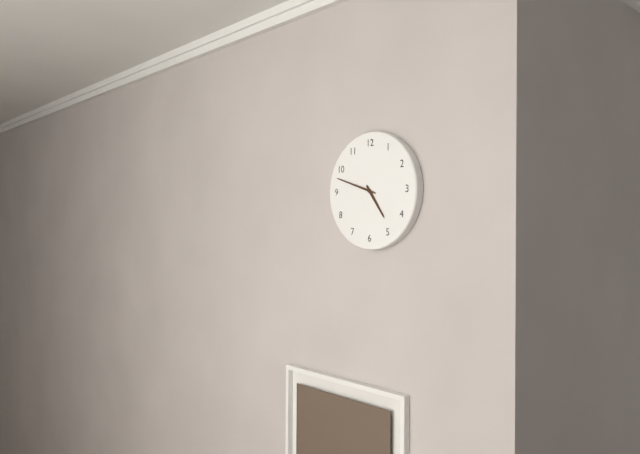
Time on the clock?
4:48
